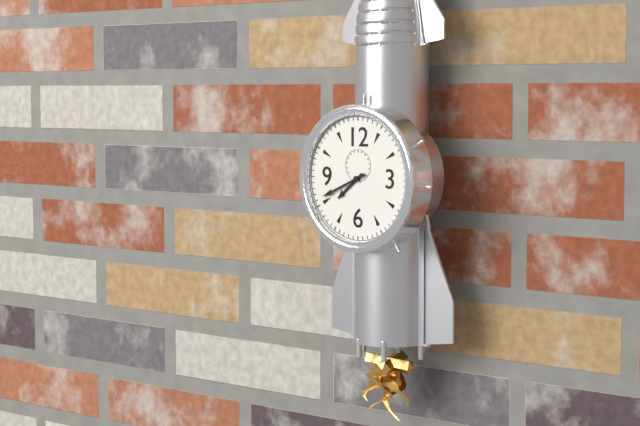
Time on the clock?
7:41
